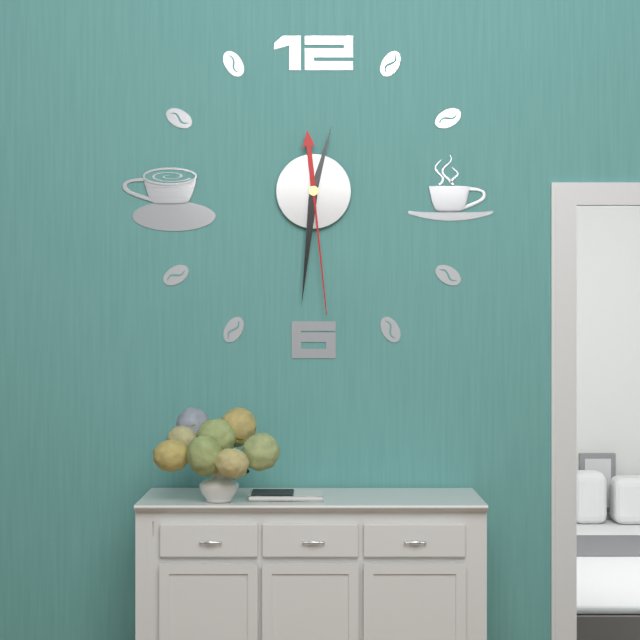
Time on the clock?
12:31:29
